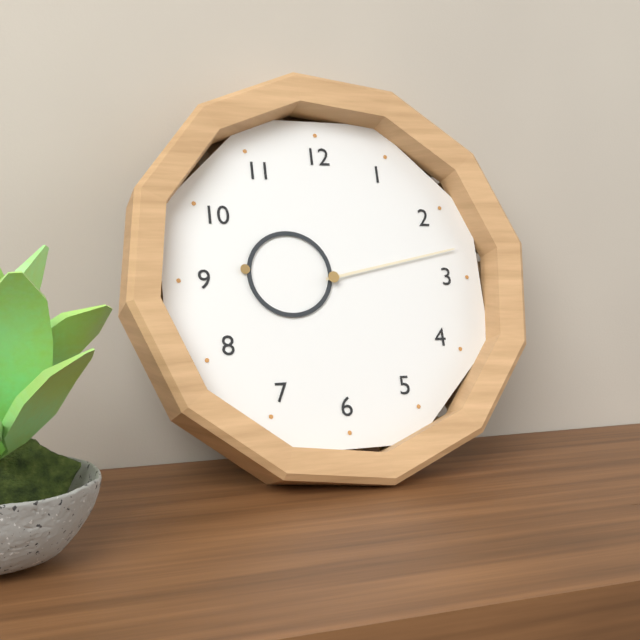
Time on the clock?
9:13
